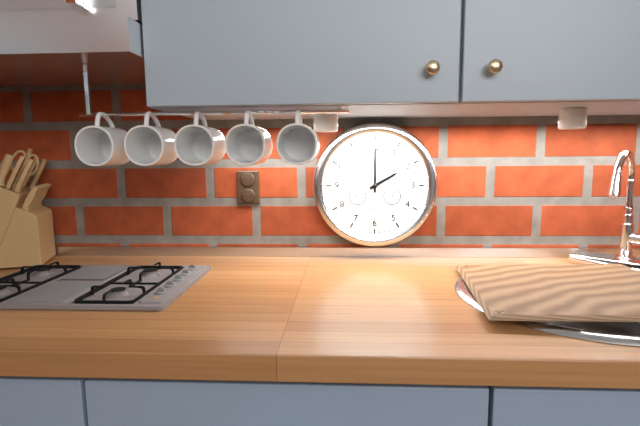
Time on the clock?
2:00
